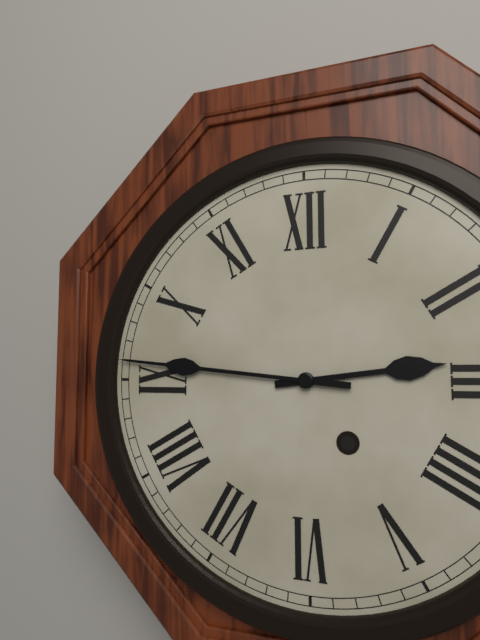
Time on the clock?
2:46
